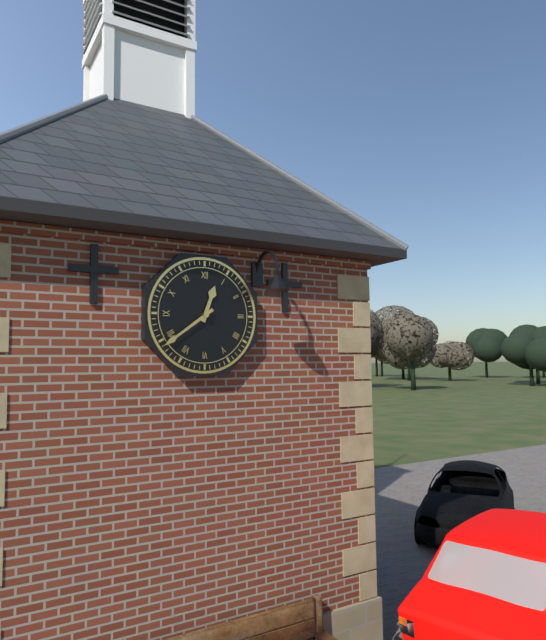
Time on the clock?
12:39
